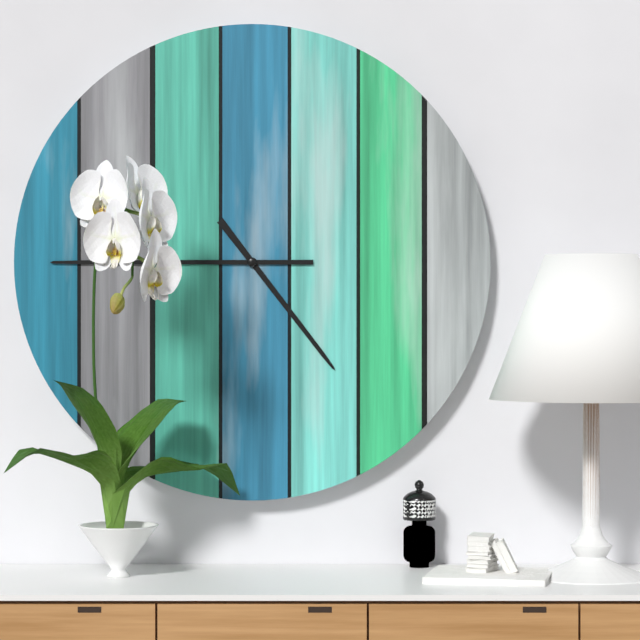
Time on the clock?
4:45
